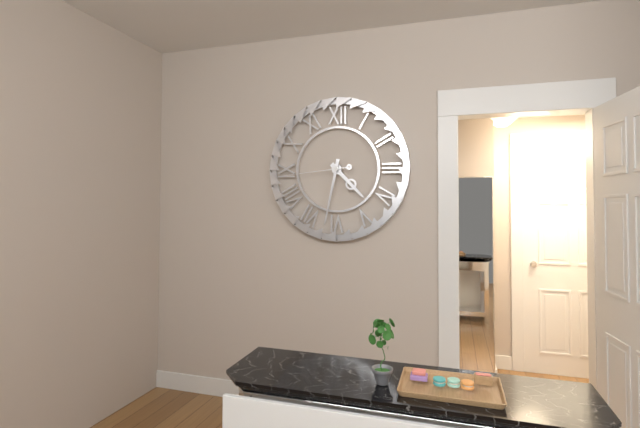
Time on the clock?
4:32:44
